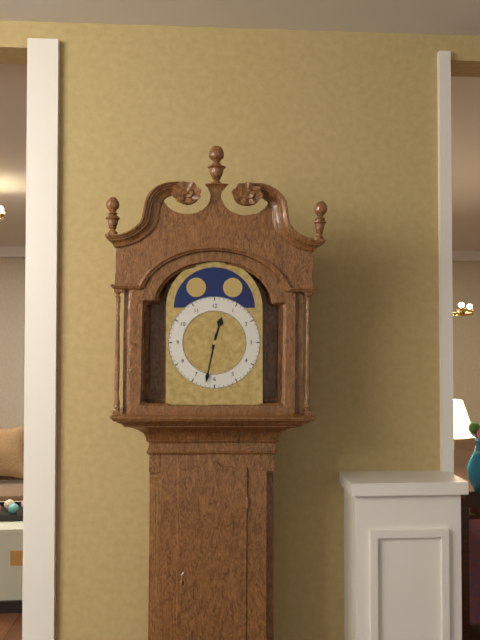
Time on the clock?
12:32
